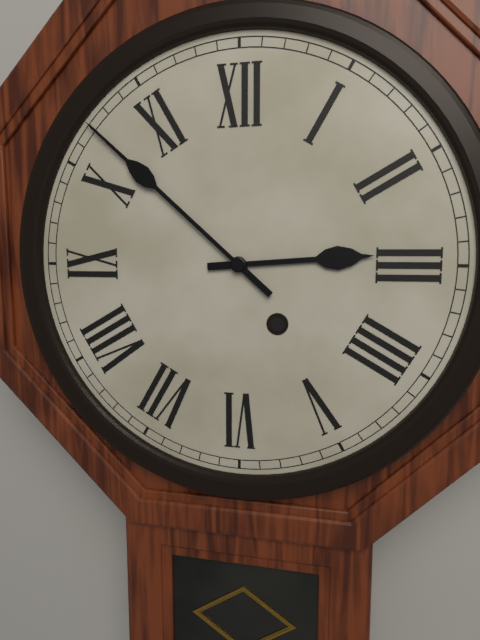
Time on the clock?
2:52
